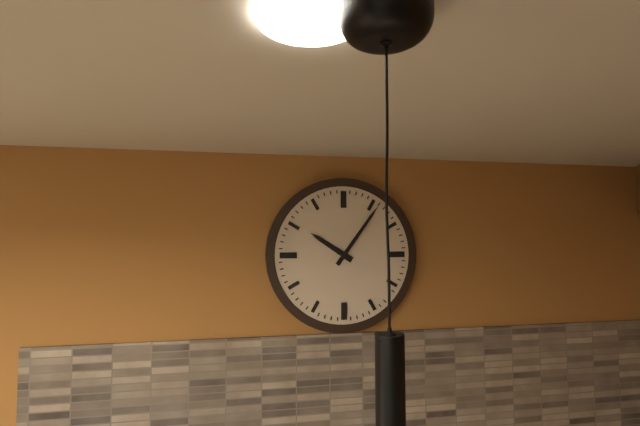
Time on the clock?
10:06
